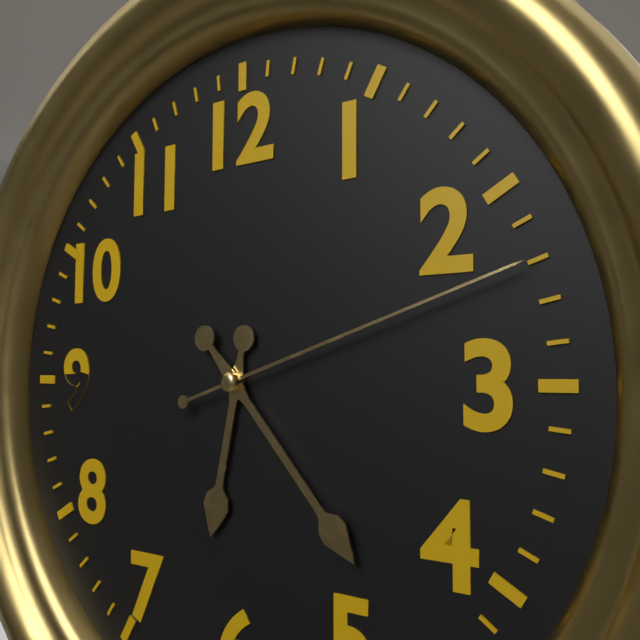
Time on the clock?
6:23:12
